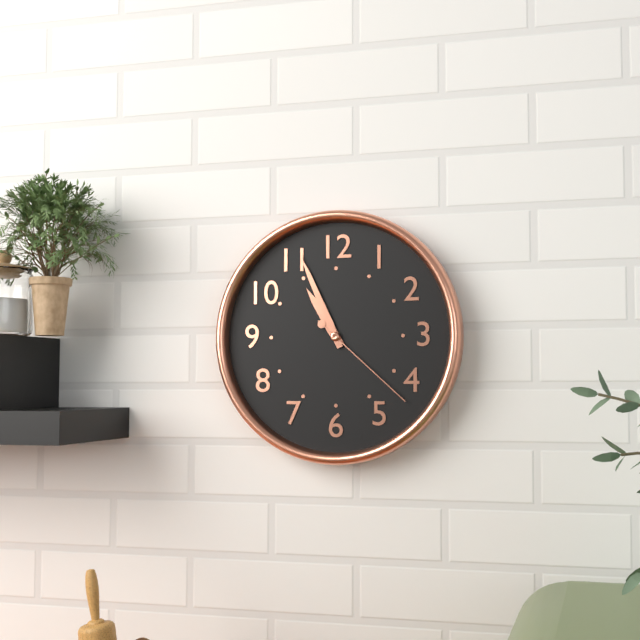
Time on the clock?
10:56:22
